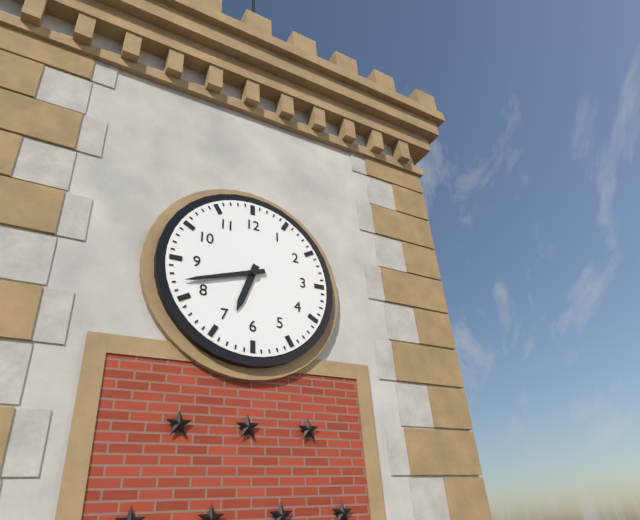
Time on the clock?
6:42
